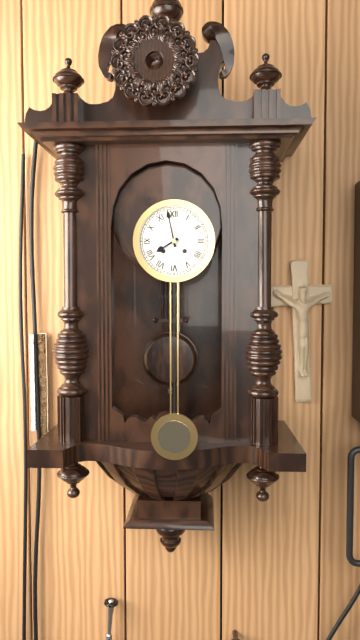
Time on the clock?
7:58
